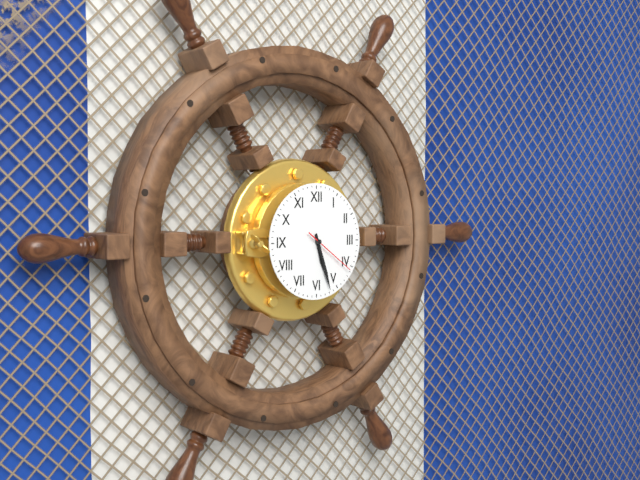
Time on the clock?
5:27:21
